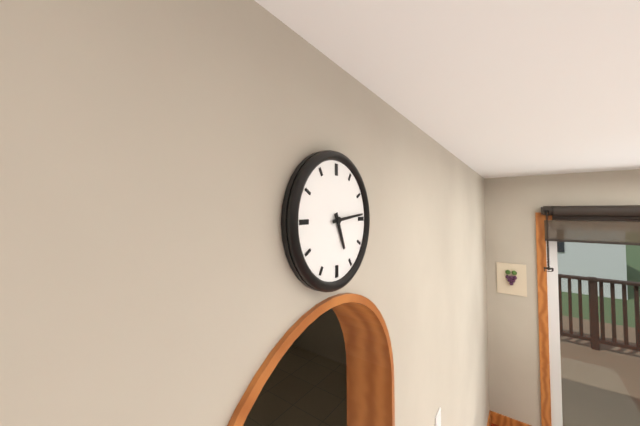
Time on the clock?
5:14
